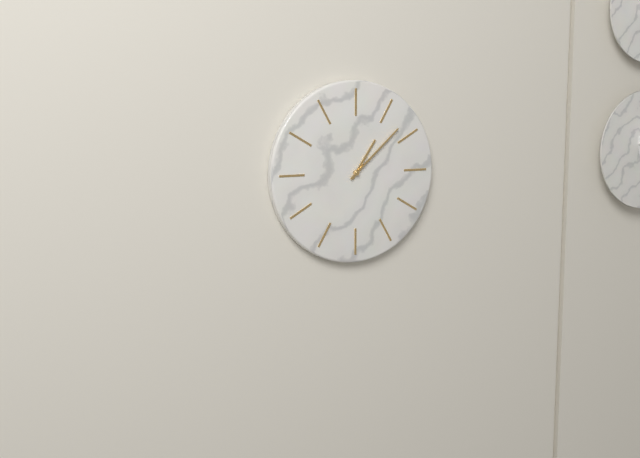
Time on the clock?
1:08
